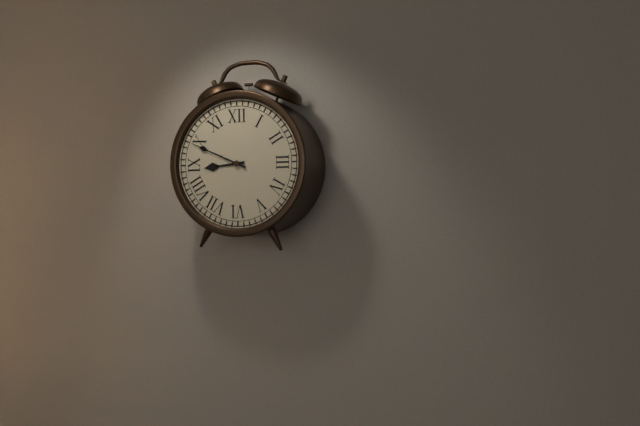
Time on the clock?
8:49
